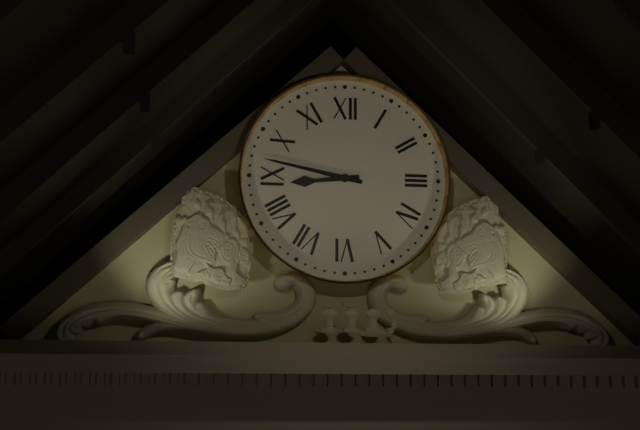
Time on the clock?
8:47
